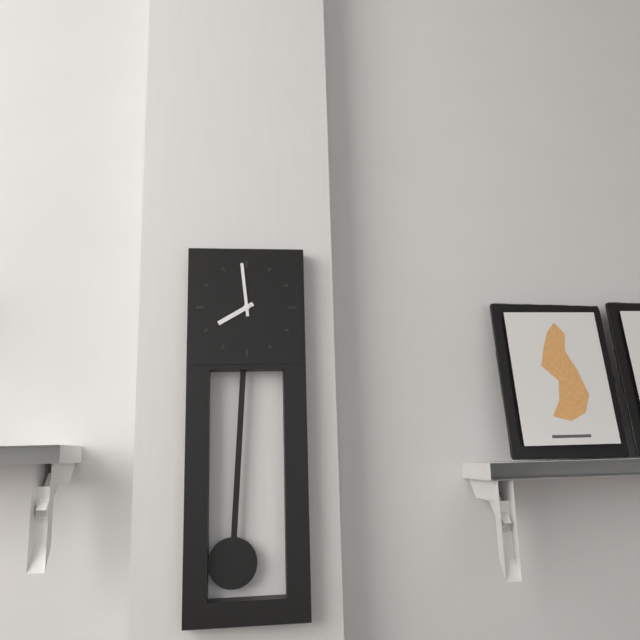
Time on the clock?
7:59
